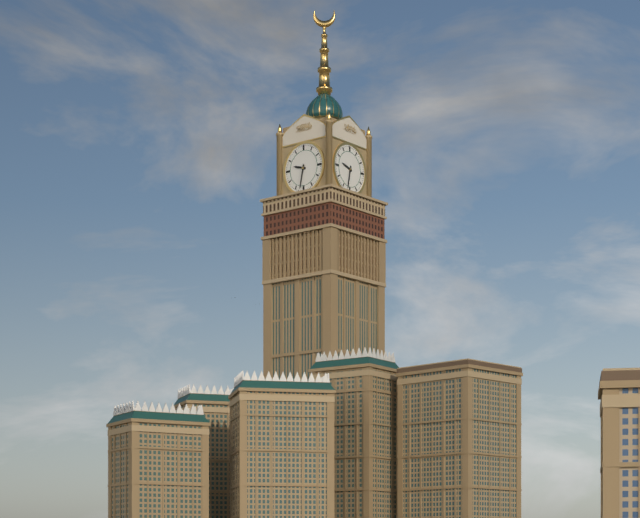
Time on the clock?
9:32
